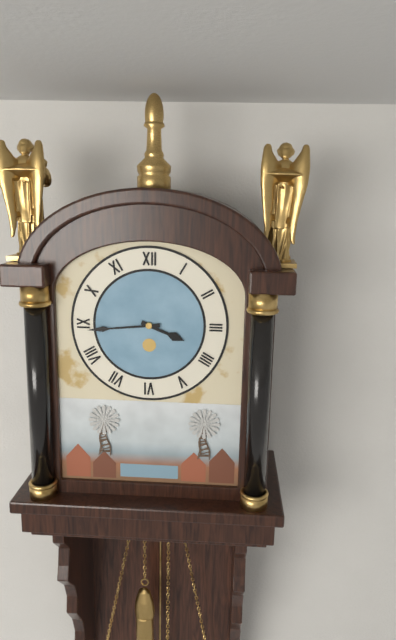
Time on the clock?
3:44
